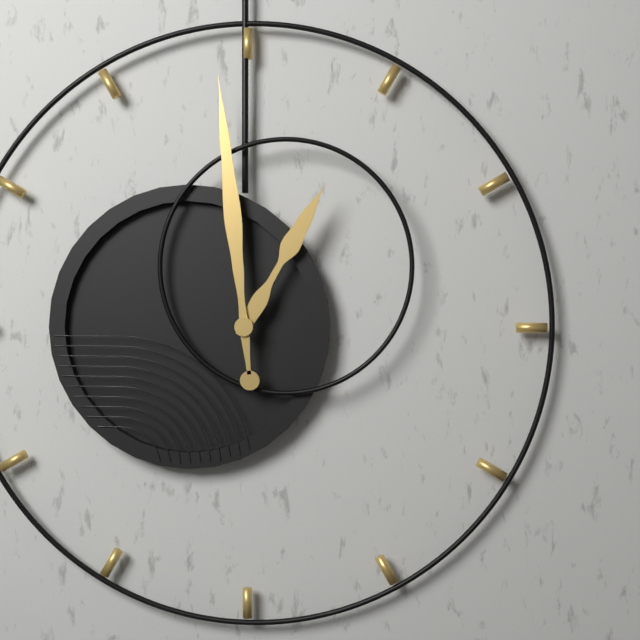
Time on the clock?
12:59
